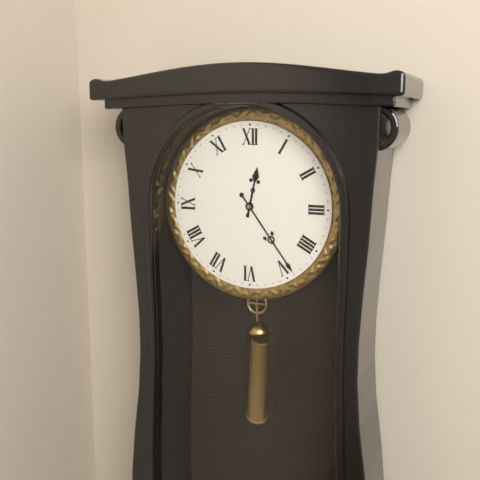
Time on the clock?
12:24
